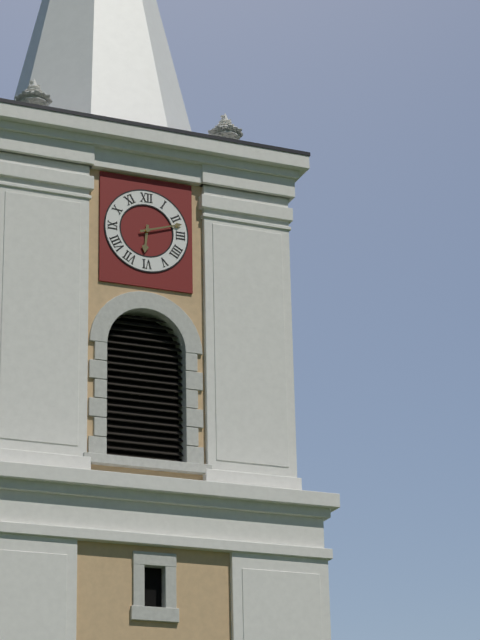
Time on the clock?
6:12
